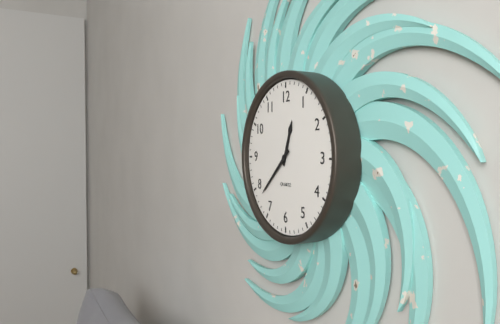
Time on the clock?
12:38
